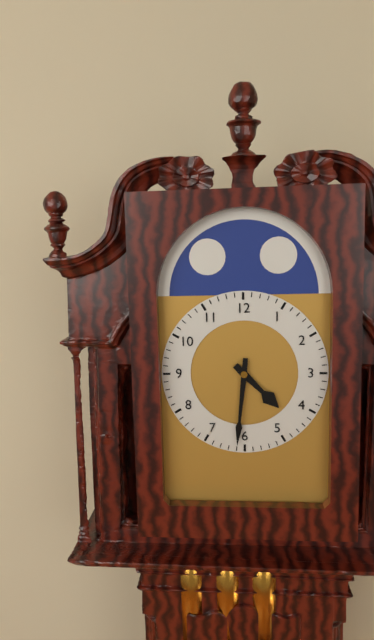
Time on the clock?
4:31
